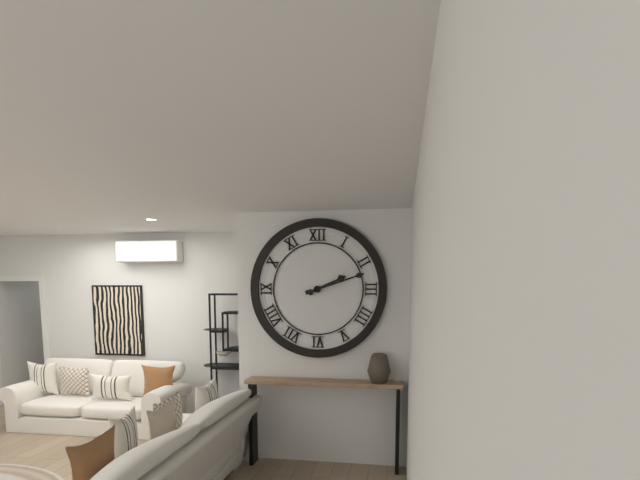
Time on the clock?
2:12
